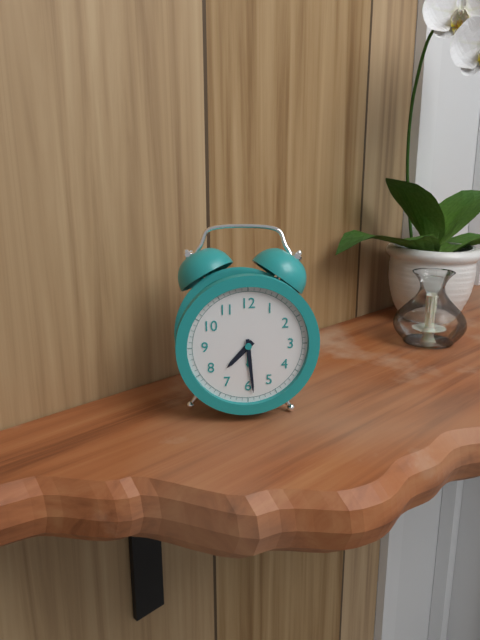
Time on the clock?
7:29
